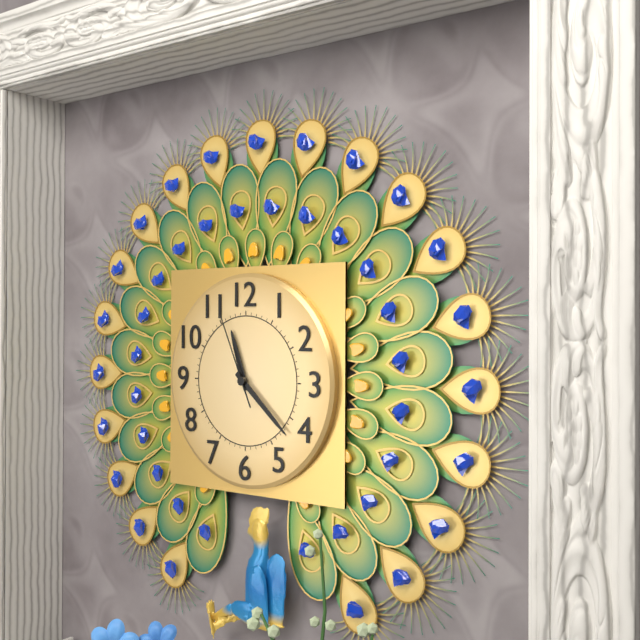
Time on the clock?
11:22:56
